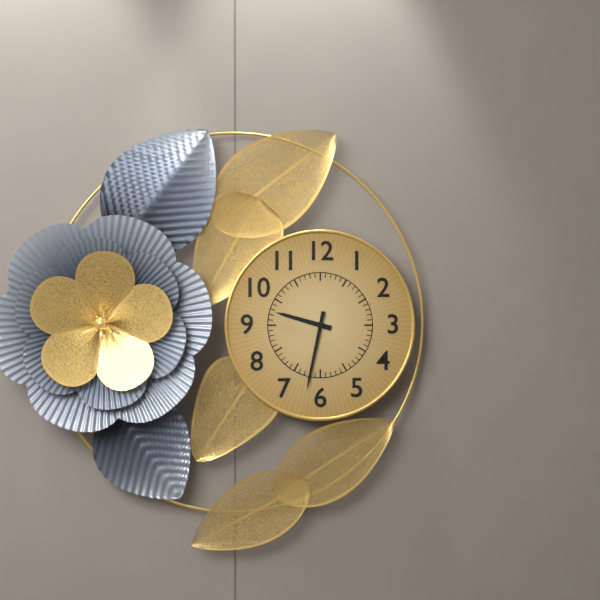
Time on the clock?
9:32
